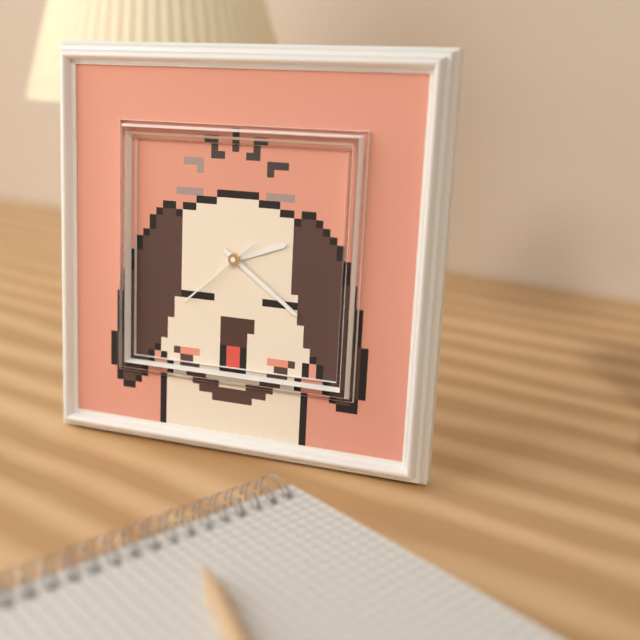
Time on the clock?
2:21:38
